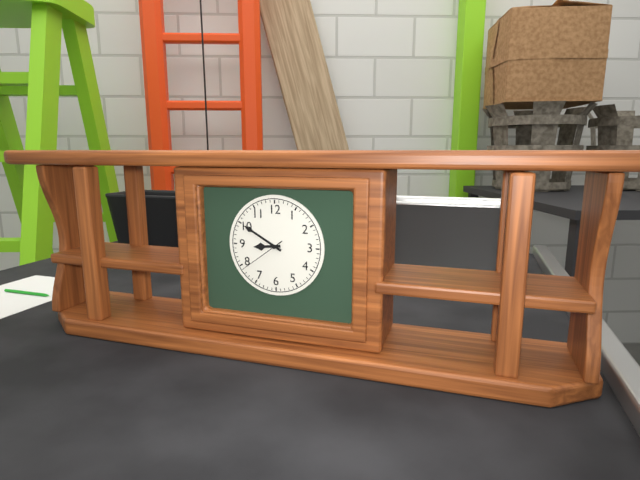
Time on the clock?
8:50
